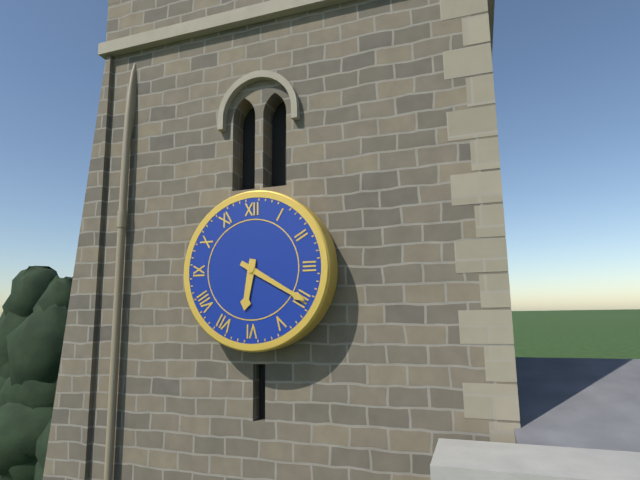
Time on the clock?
6:20
